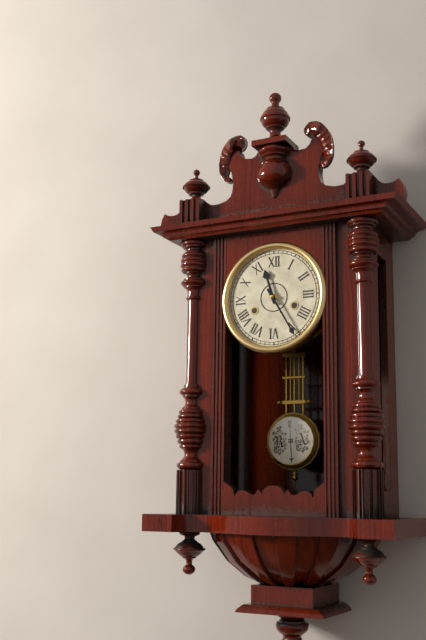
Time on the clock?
11:25
